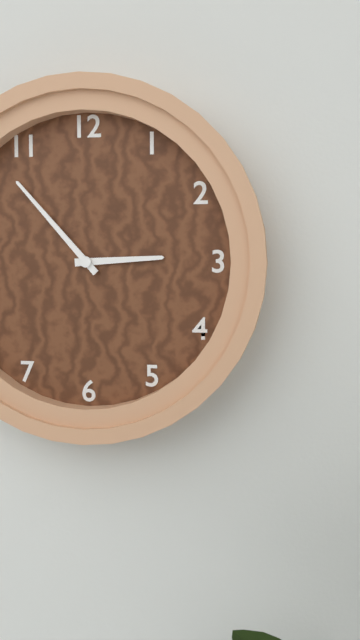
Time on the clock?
2:53
